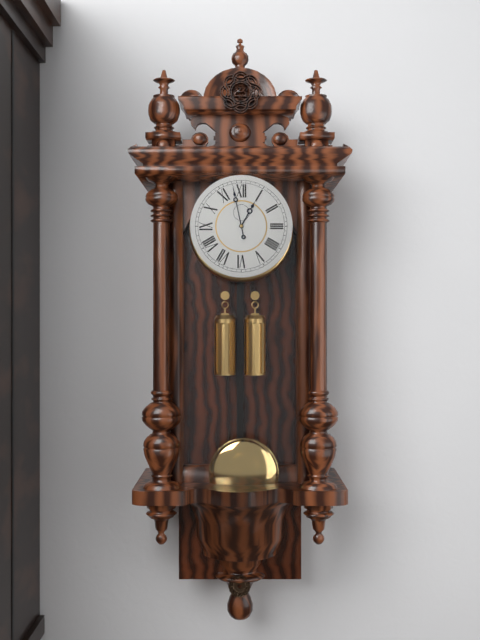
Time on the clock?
12:58
